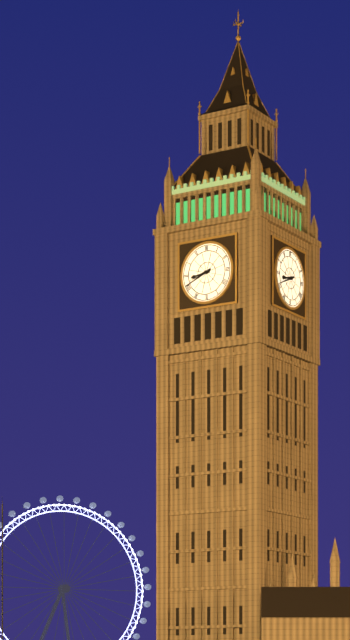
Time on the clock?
8:41
